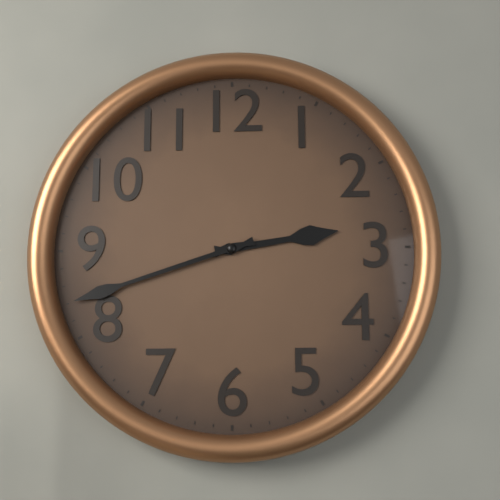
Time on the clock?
2:42
